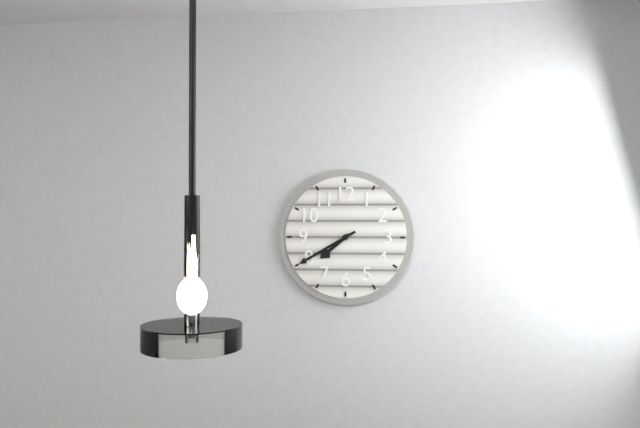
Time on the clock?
7:40
